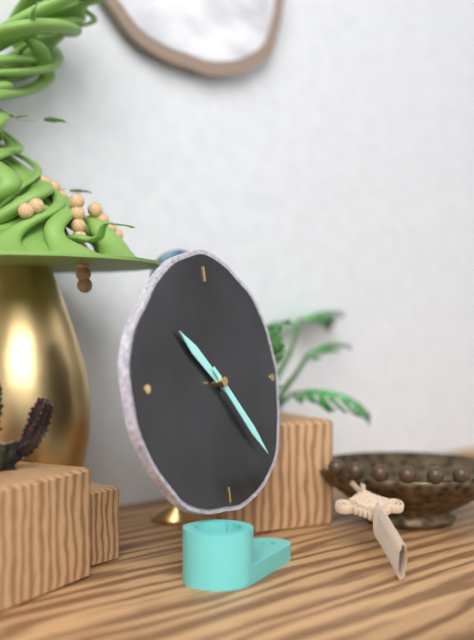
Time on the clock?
10:23
